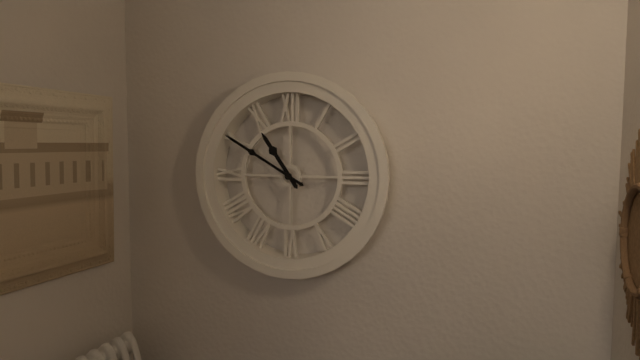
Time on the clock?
10:50
